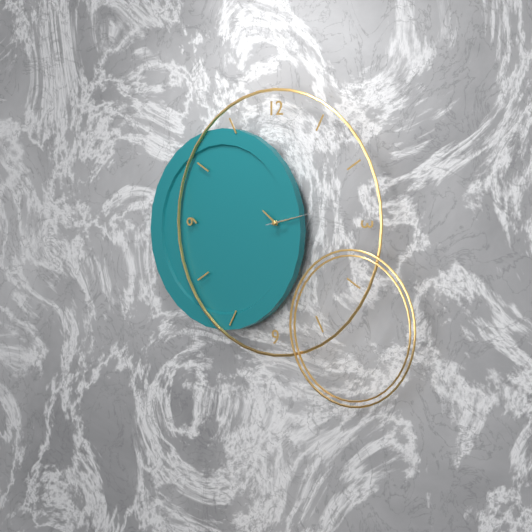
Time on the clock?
10:13
